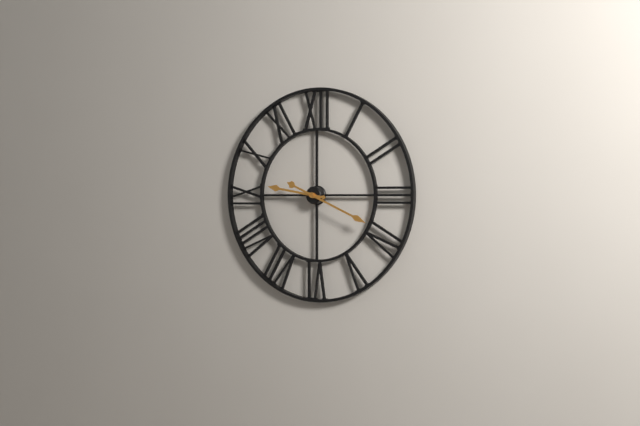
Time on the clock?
9:19
